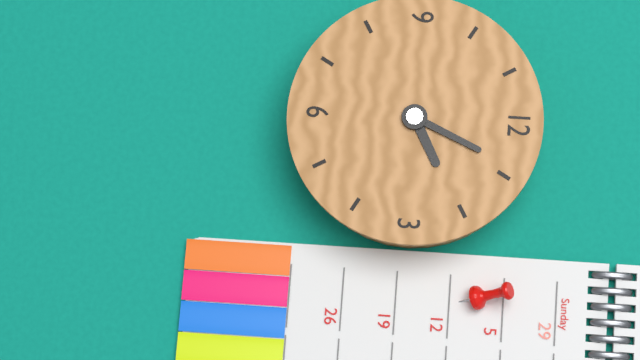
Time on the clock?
2:04
